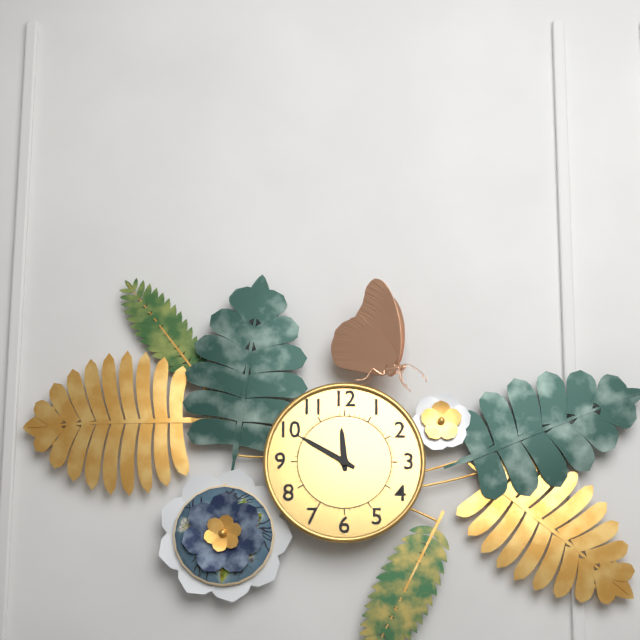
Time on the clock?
11:50
